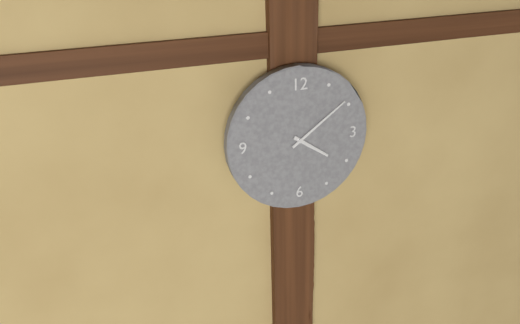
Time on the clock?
4:09
